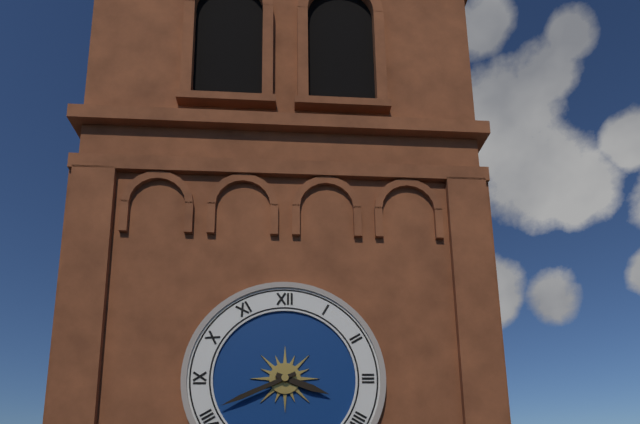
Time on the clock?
3:41
